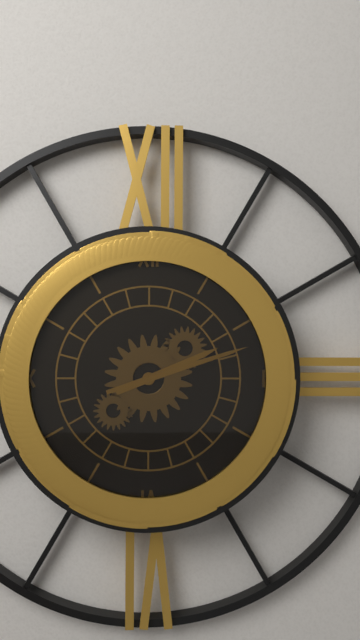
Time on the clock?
2:12
